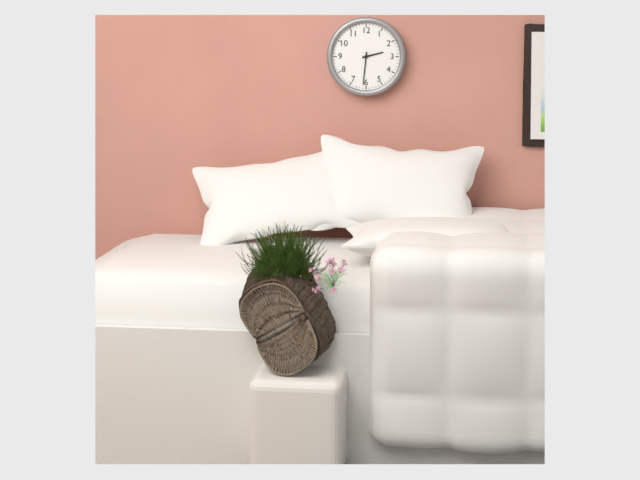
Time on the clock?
2:31
